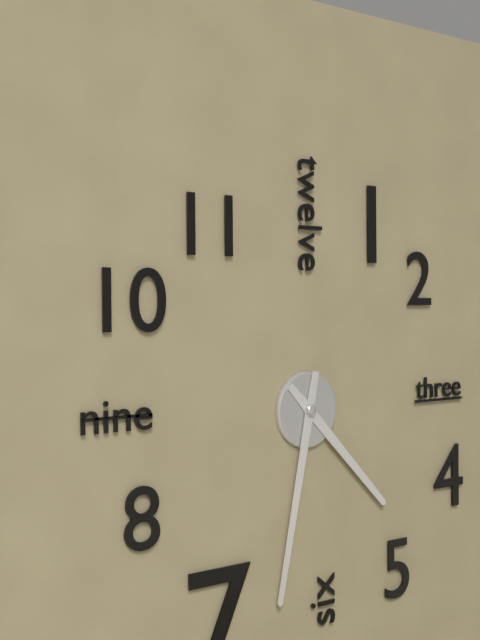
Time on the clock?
4:32
